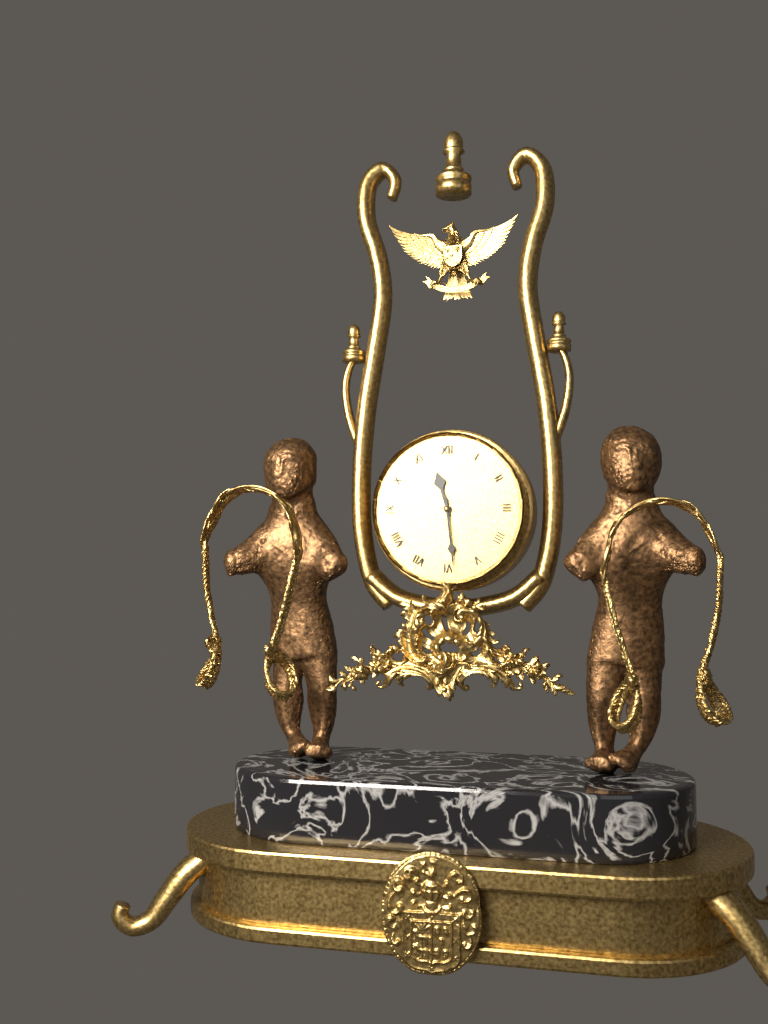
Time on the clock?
11:29
